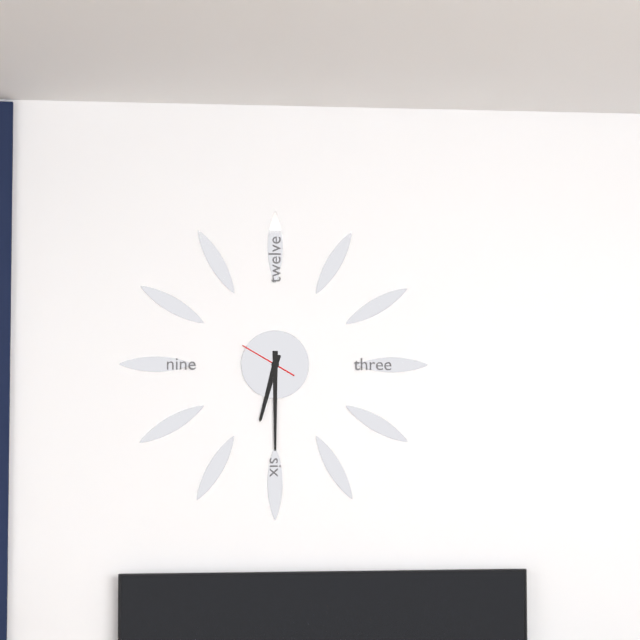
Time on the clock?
6:30
